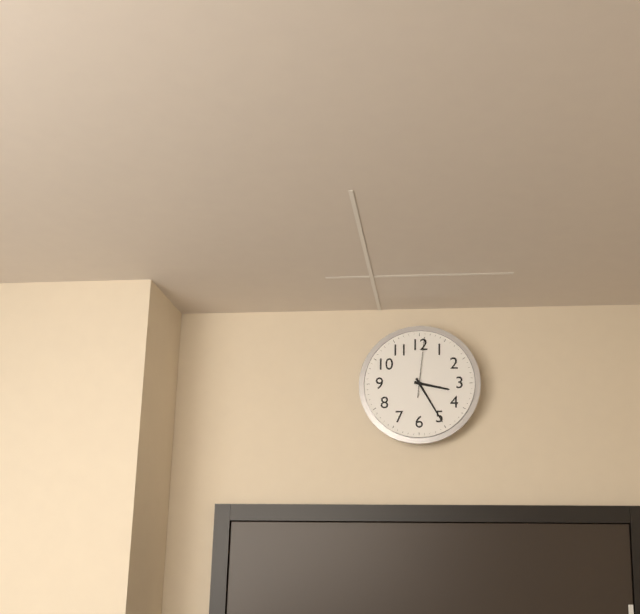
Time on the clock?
3:25:01
